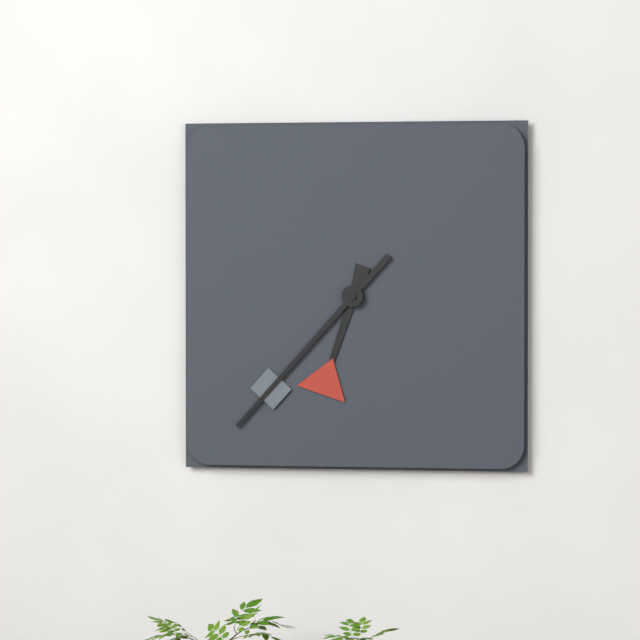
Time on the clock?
6:37
